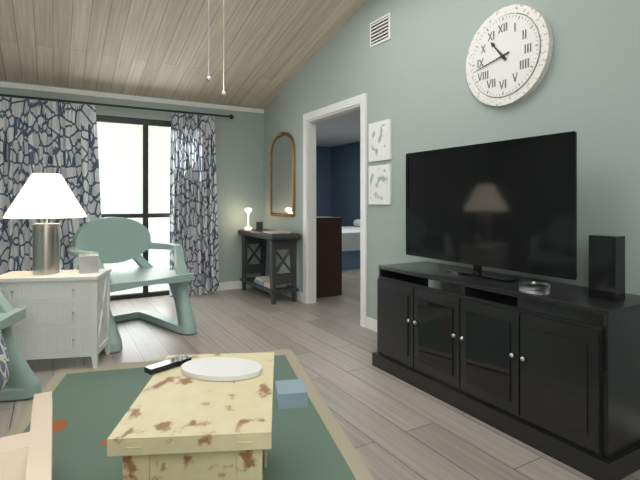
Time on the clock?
10:43
